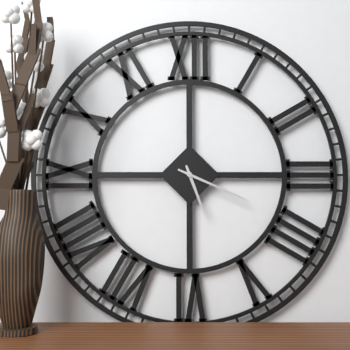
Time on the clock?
5:19
